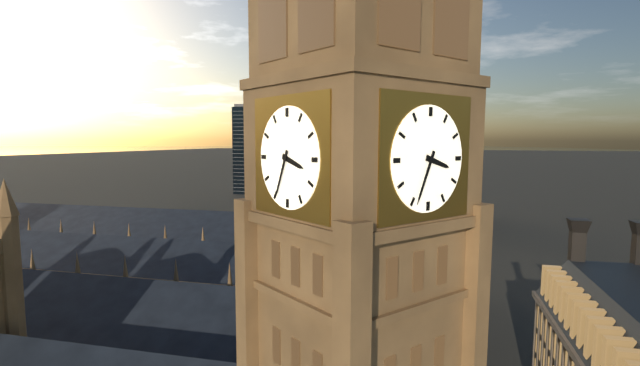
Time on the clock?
3:34
